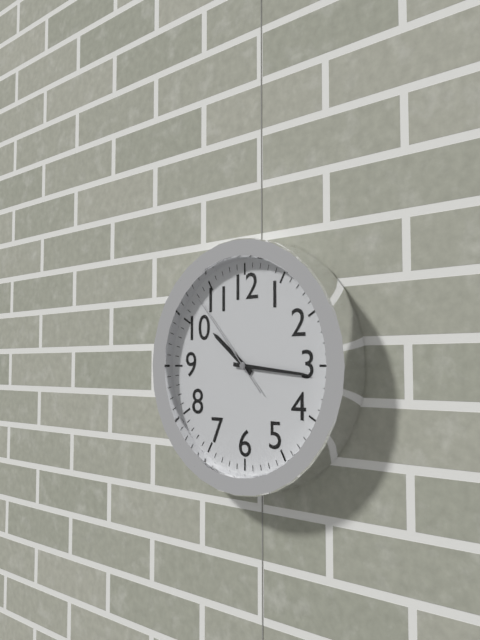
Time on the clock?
10:16:53
